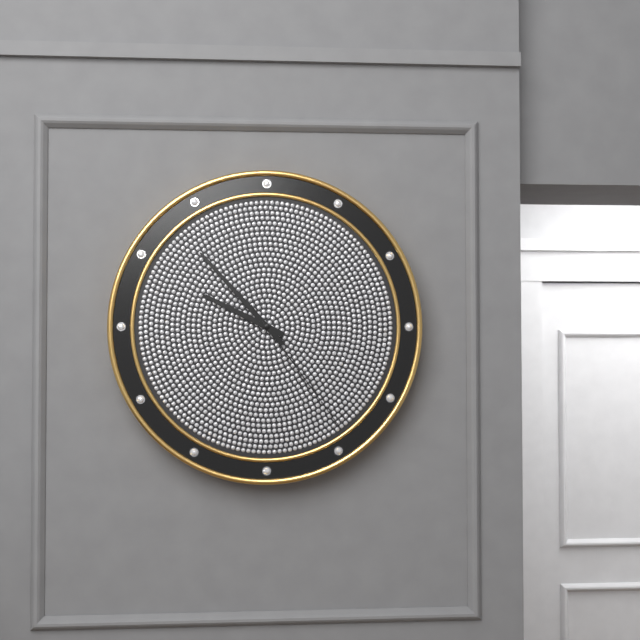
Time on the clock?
9:53:24
